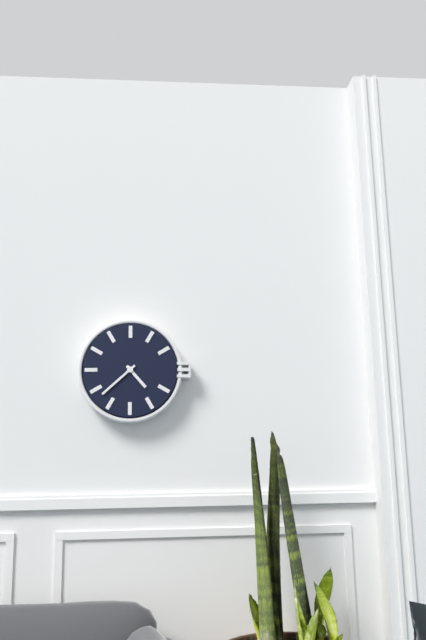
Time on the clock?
4:38
